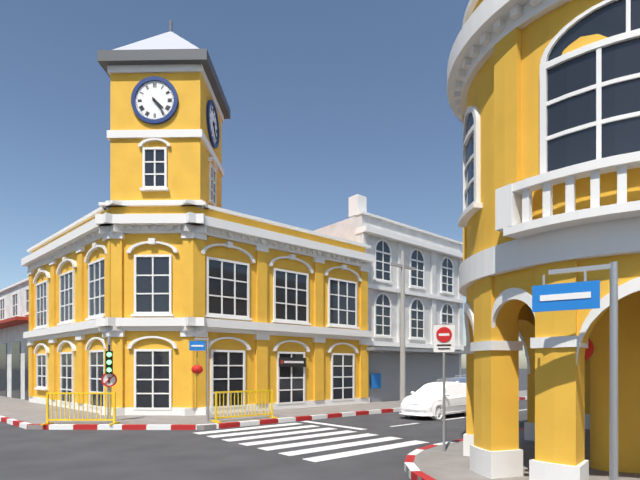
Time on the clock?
4:24
